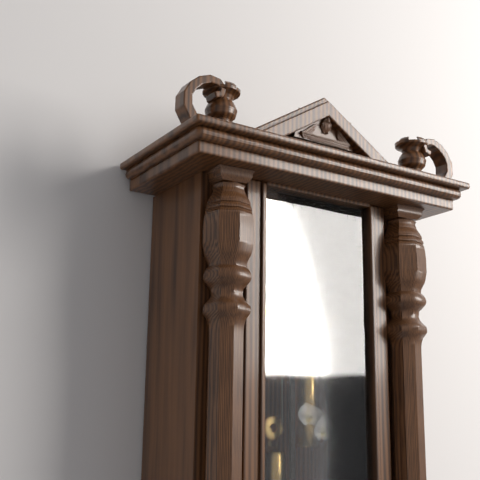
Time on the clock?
9:56
